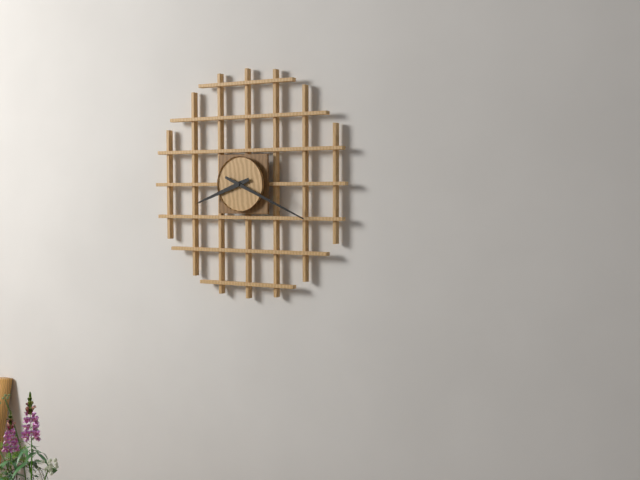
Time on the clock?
8:19
